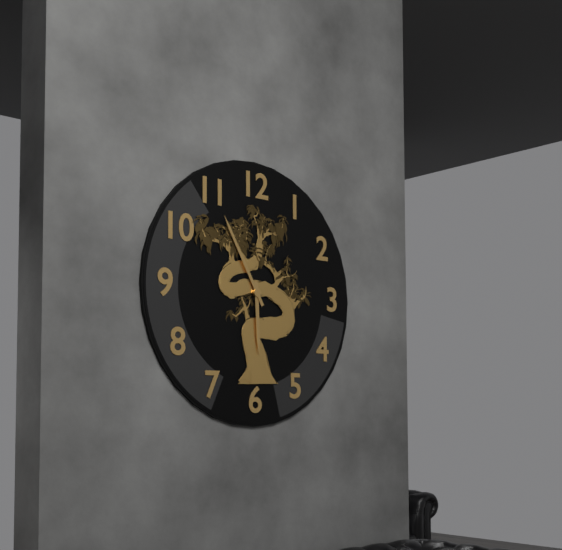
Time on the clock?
5:55
